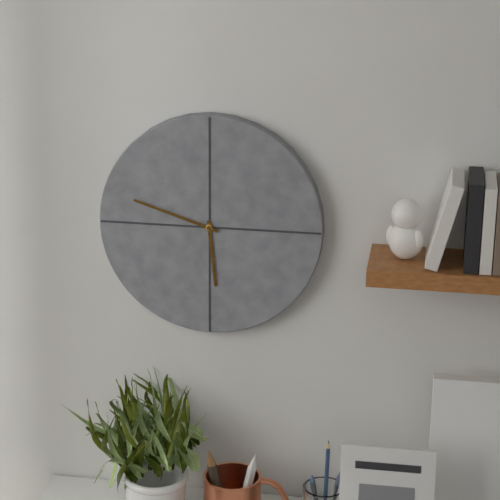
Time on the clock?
5:48
